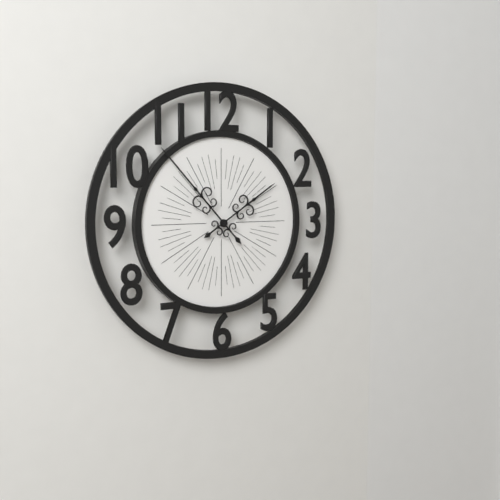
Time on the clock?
1:53
